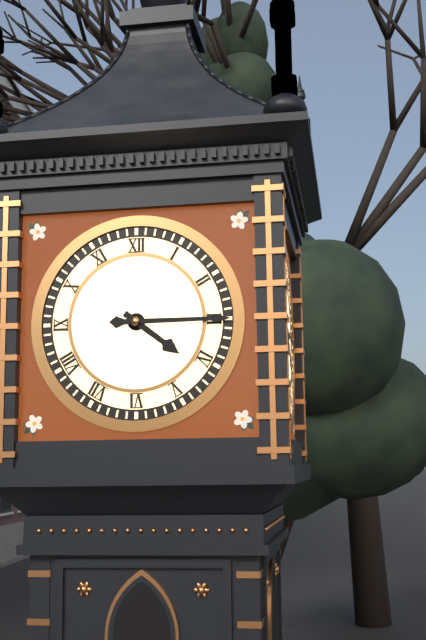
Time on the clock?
4:15
